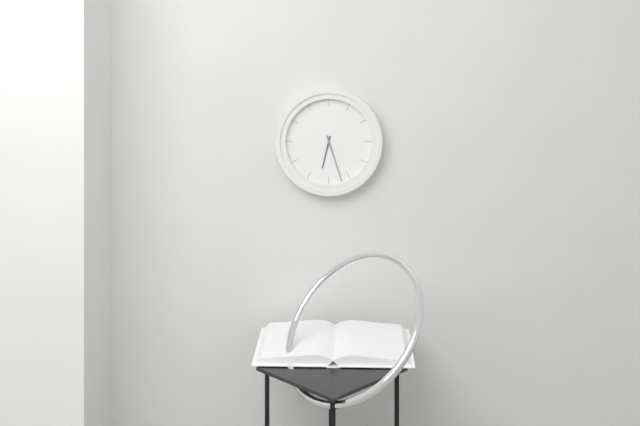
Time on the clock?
6:27
